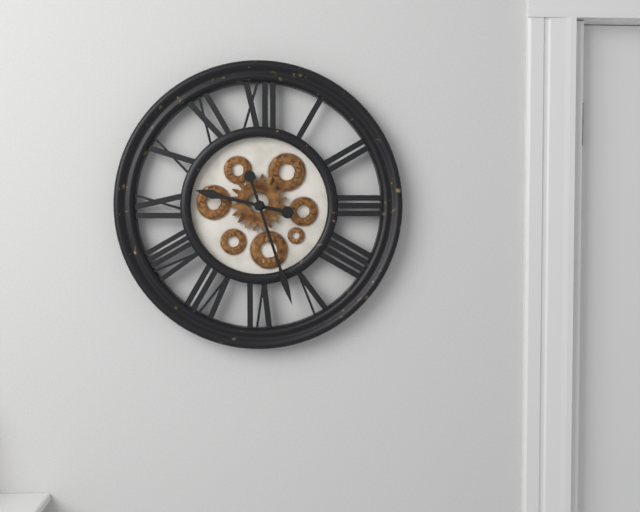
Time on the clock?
9:27
